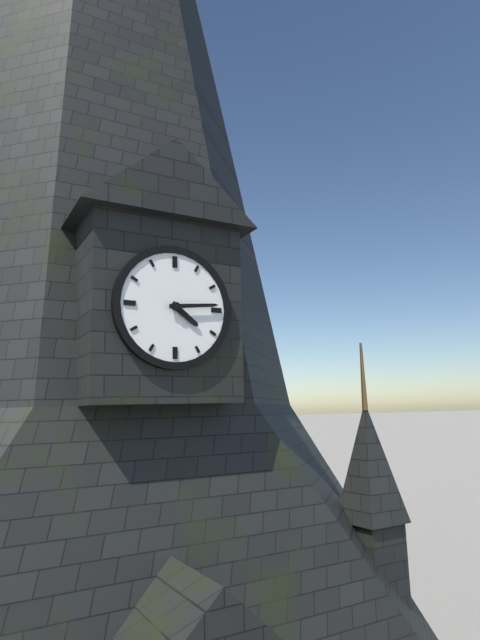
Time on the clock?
4:14
